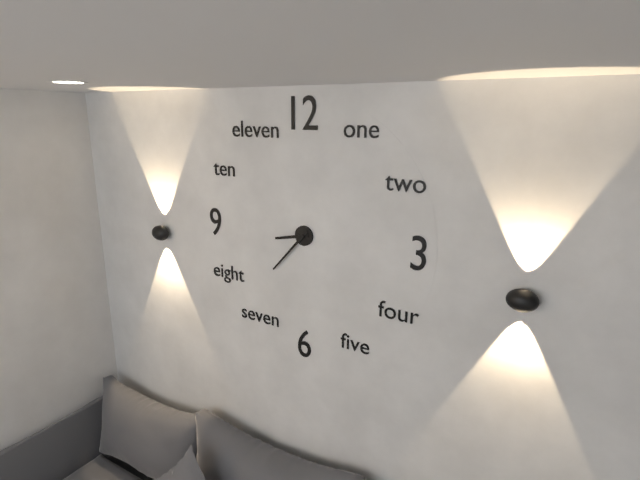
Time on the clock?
8:37
